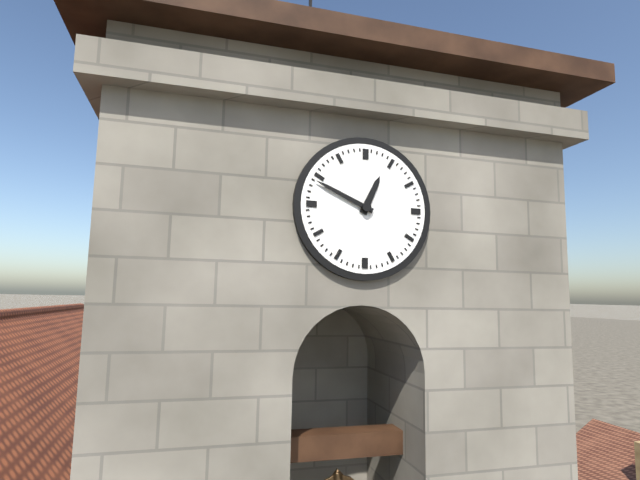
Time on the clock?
12:49
